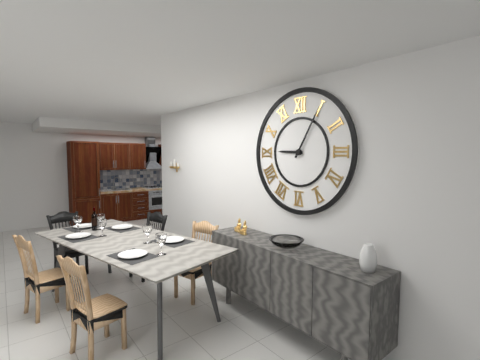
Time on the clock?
9:05
